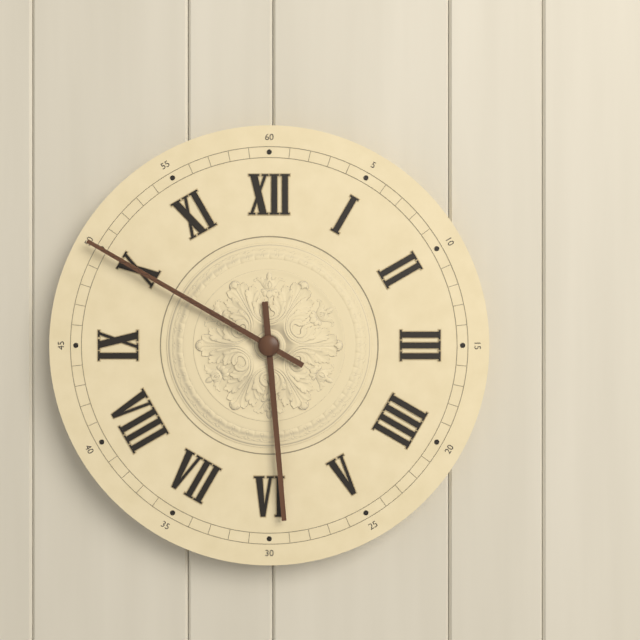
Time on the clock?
5:50
